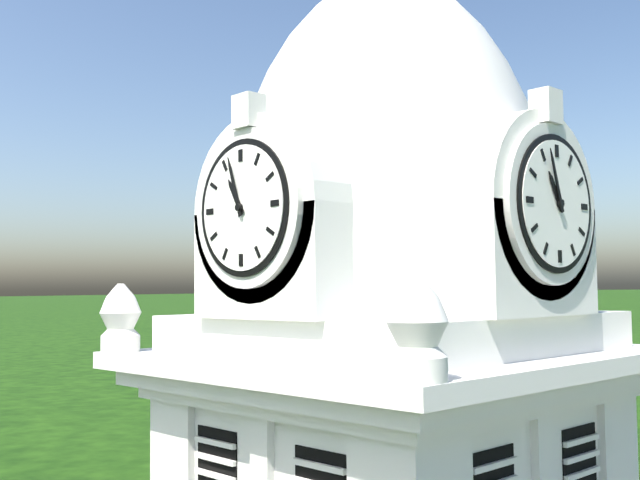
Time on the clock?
10:57
